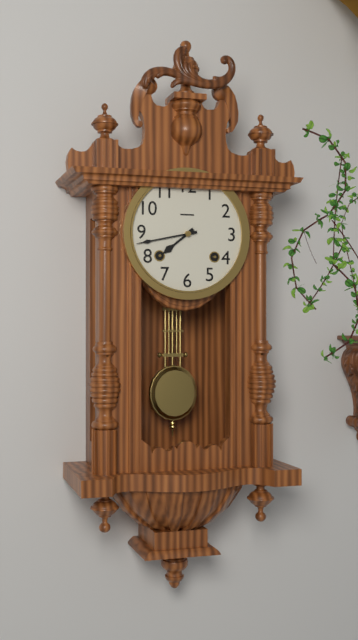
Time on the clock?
7:43
